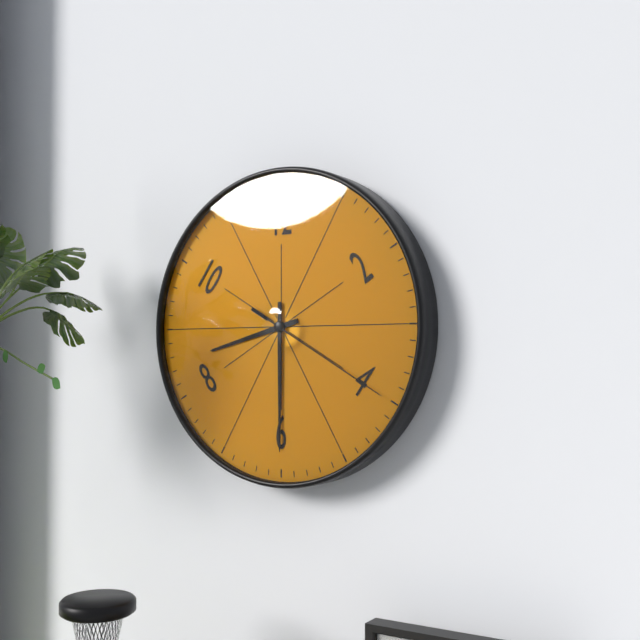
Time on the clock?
8:30:20
